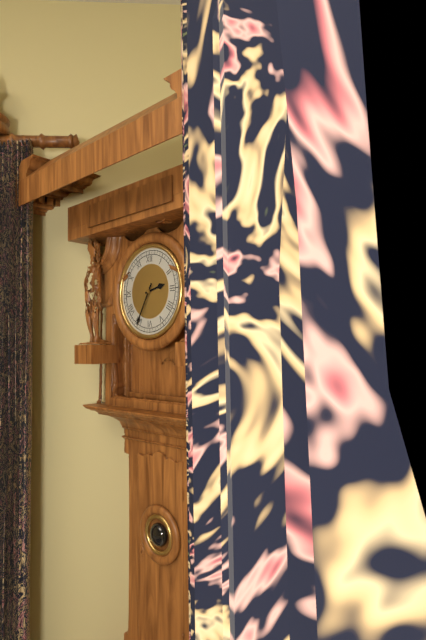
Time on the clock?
2:35
